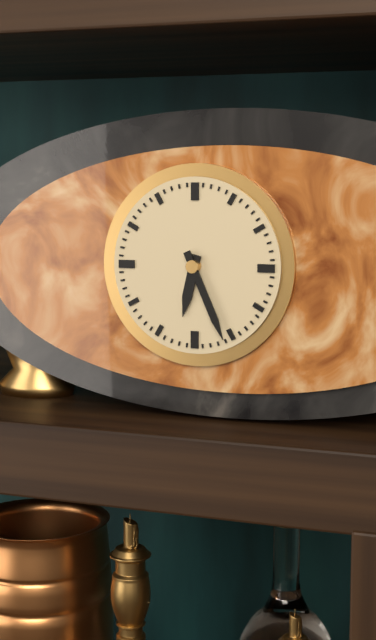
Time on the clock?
6:26
